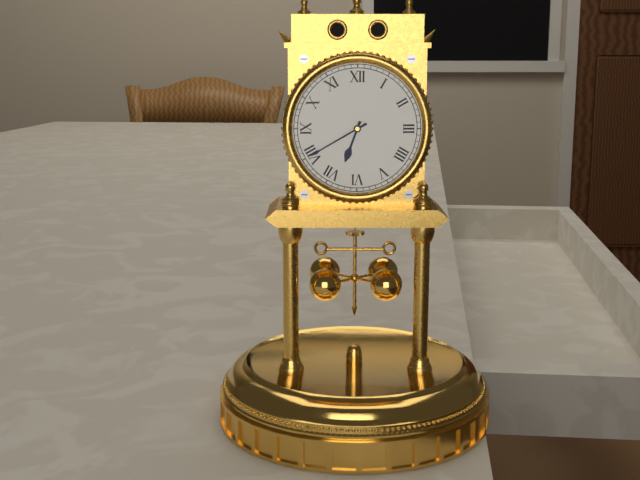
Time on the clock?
6:40
